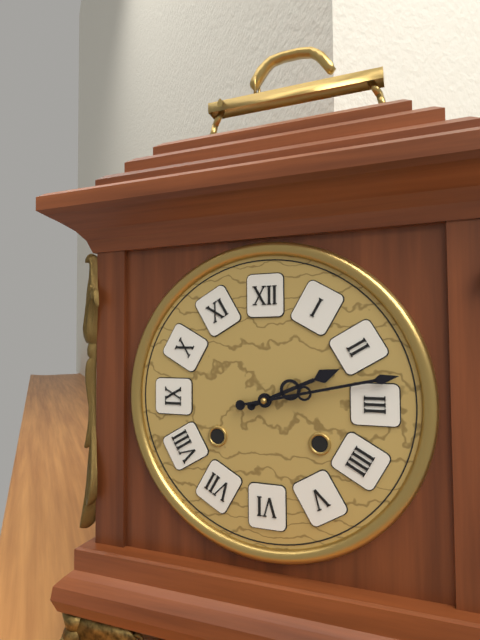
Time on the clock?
2:13
